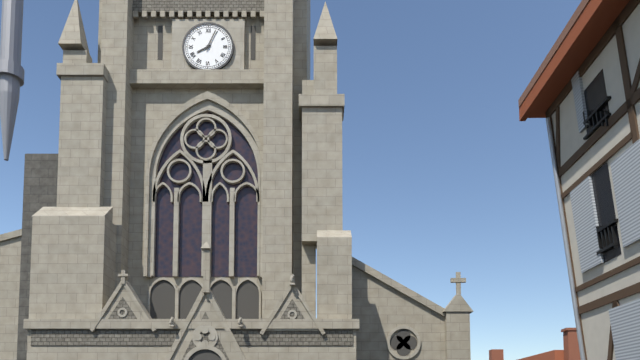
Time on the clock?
8:04
